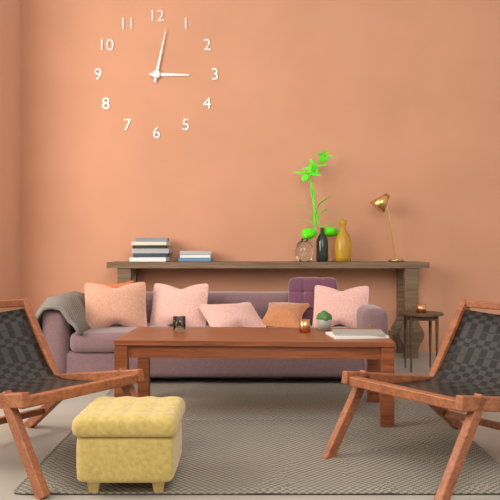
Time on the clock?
3:02
